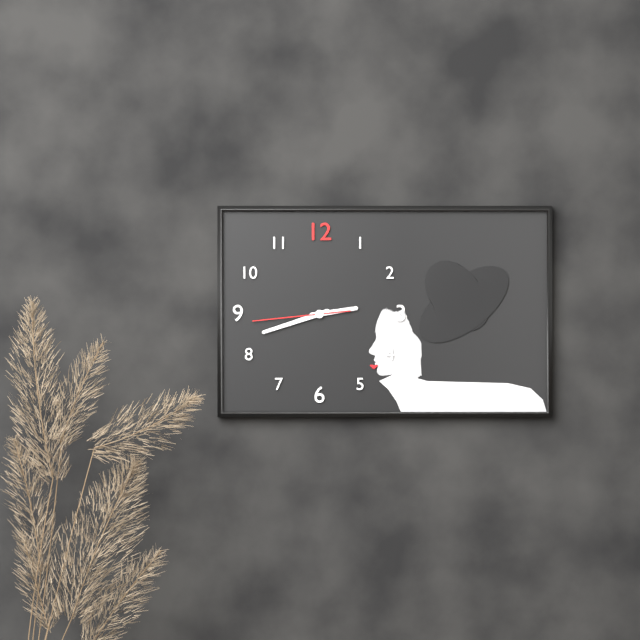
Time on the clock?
2:42:44
